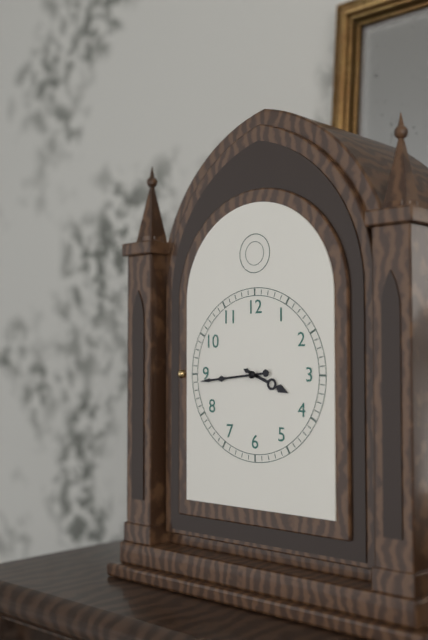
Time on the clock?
3:44
